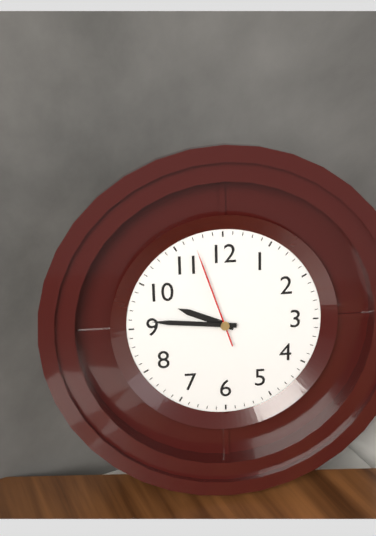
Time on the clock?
9:46:57
